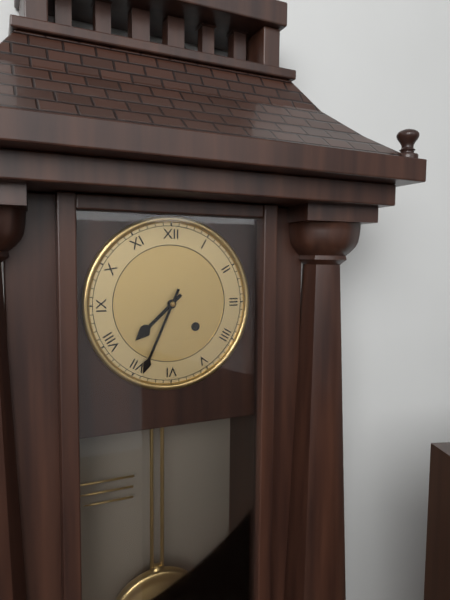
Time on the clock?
7:34
